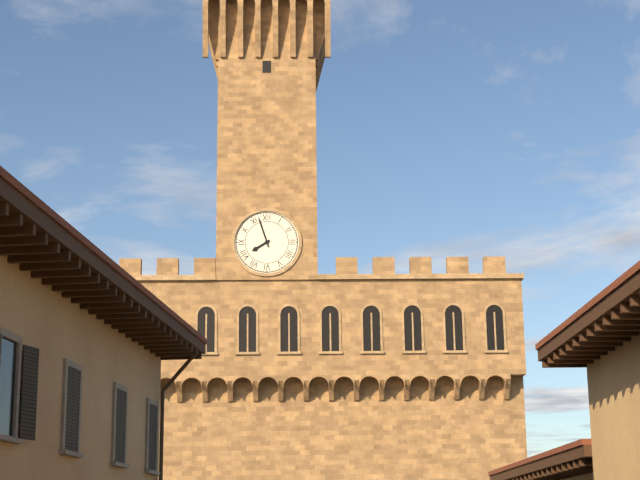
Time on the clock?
7:57
